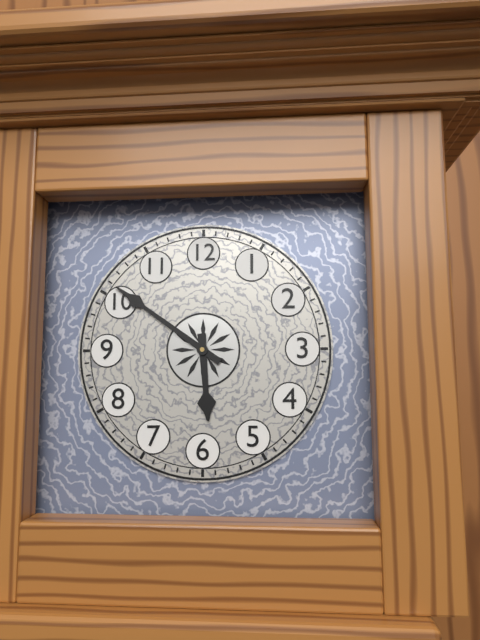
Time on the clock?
5:51
